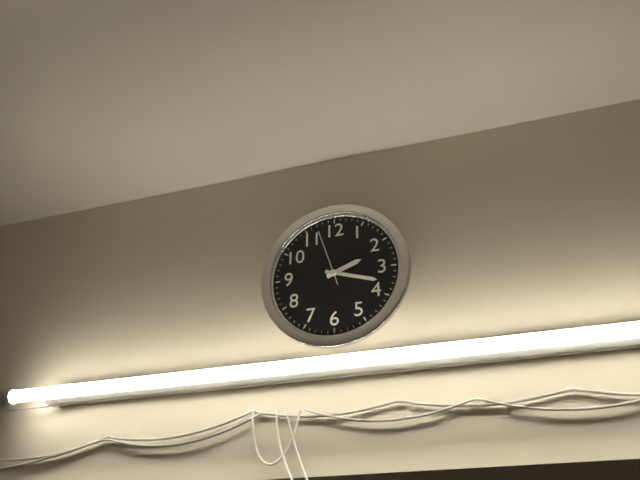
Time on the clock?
2:18:57
